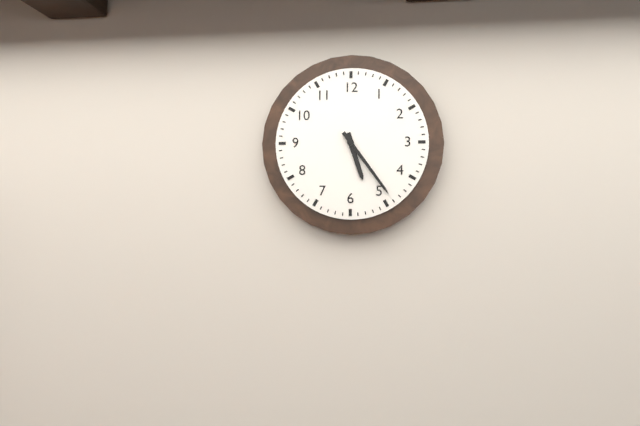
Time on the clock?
5:24
